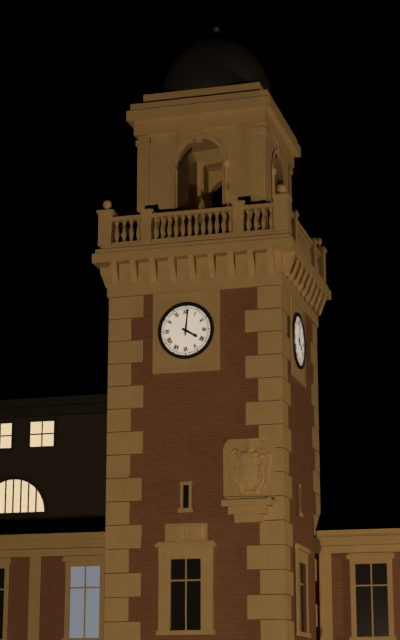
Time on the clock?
4:01
